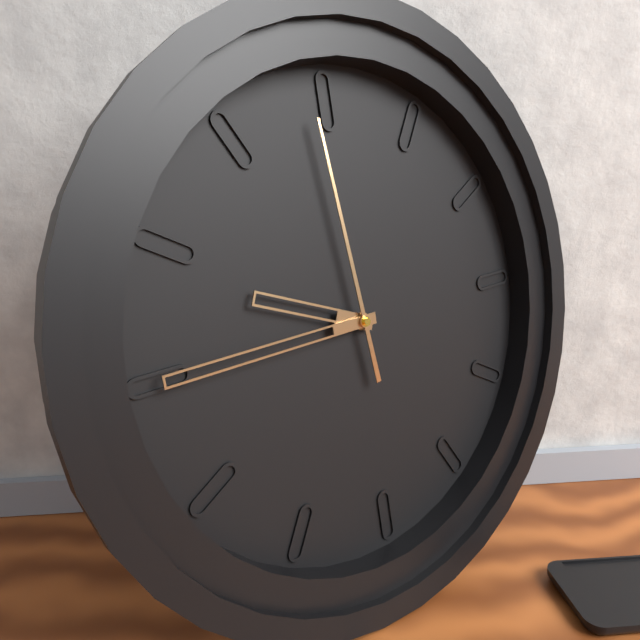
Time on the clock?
9:45:59
